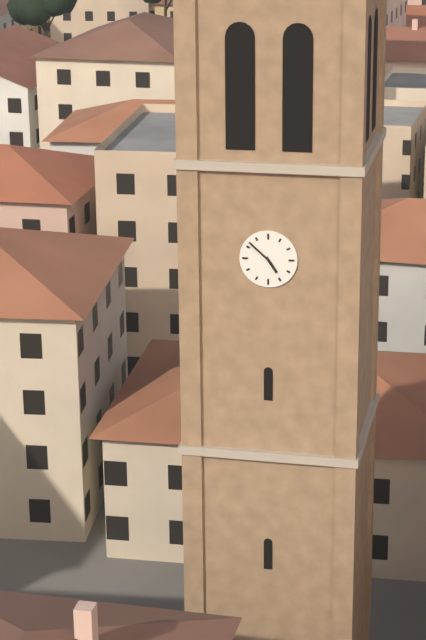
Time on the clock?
4:52
